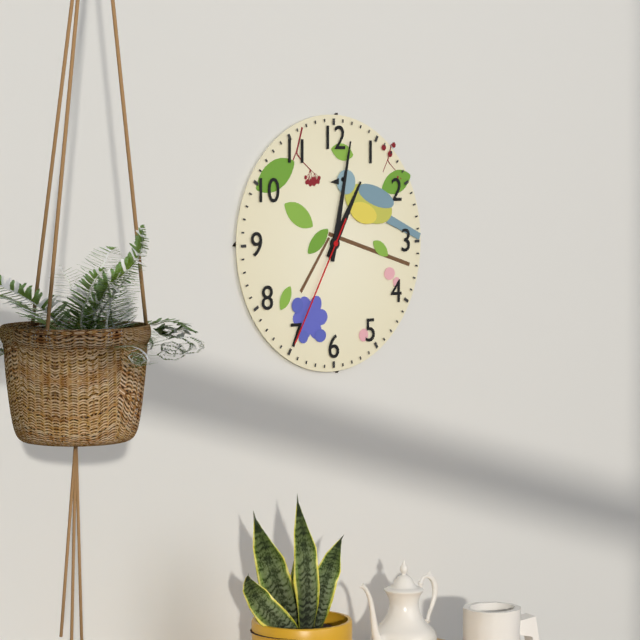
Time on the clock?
1:02:35
